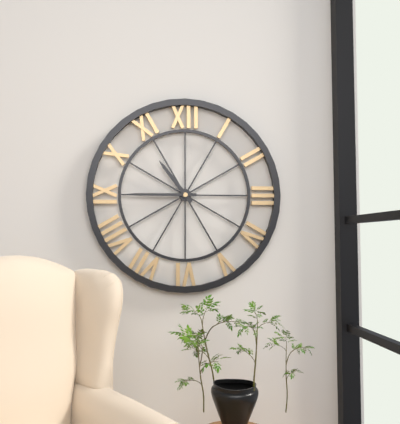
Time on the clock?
10:45
